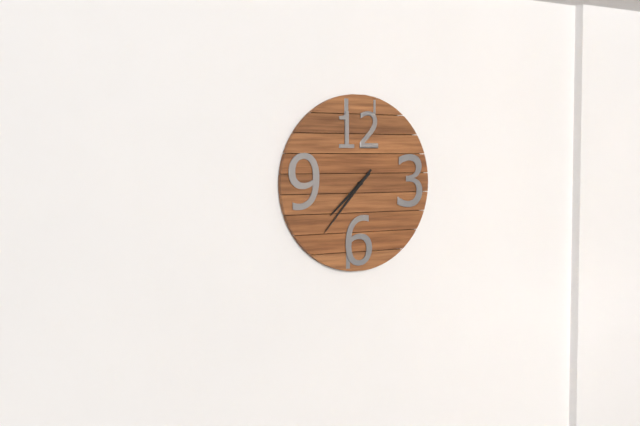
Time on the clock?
7:37
